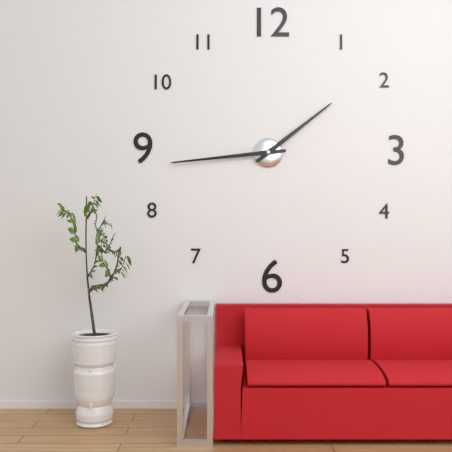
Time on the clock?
1:44
